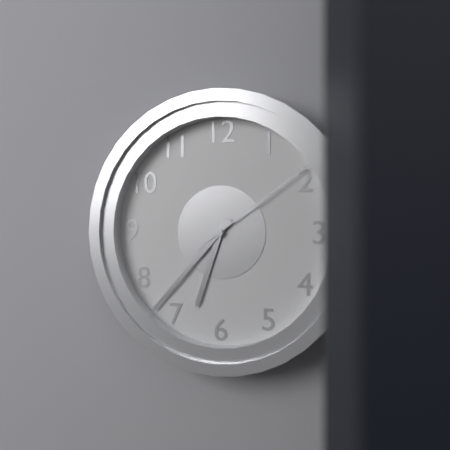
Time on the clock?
6:37:09
